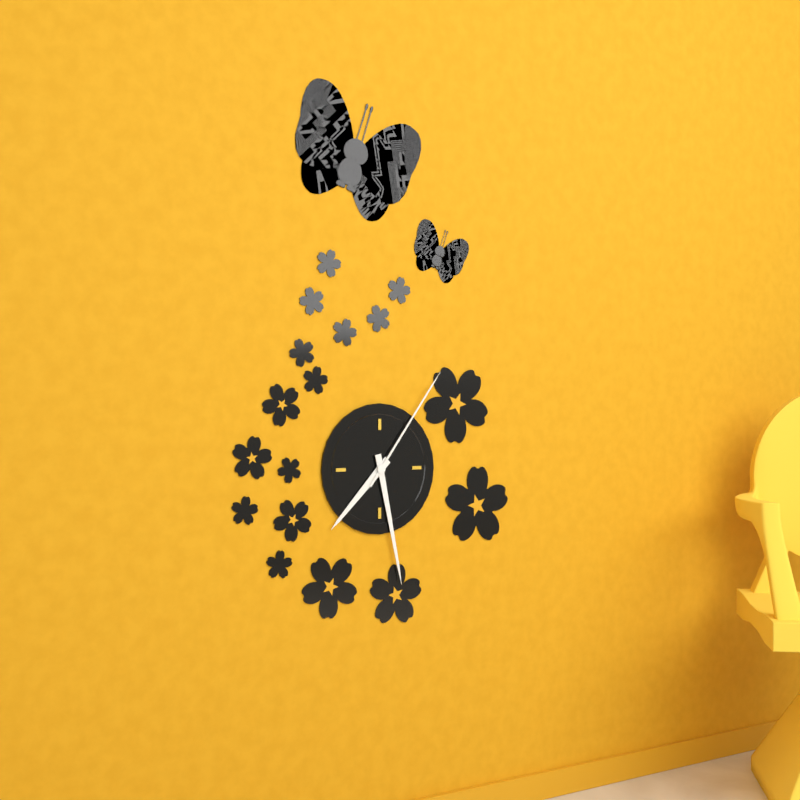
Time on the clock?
7:28:06
